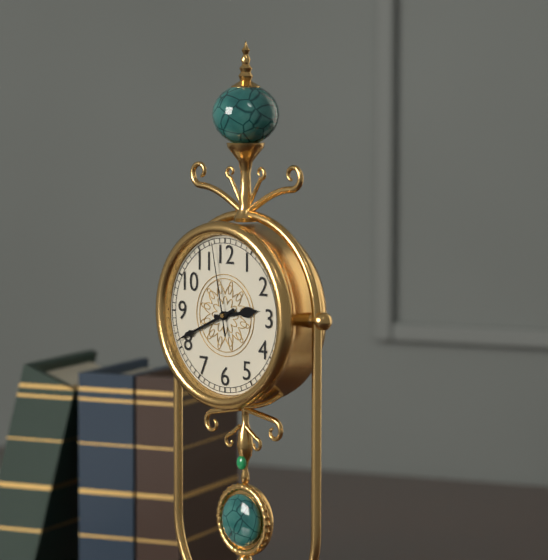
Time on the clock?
2:41:58
